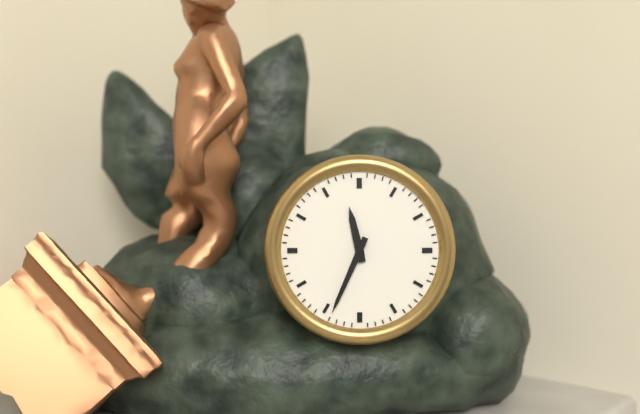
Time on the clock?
11:34
